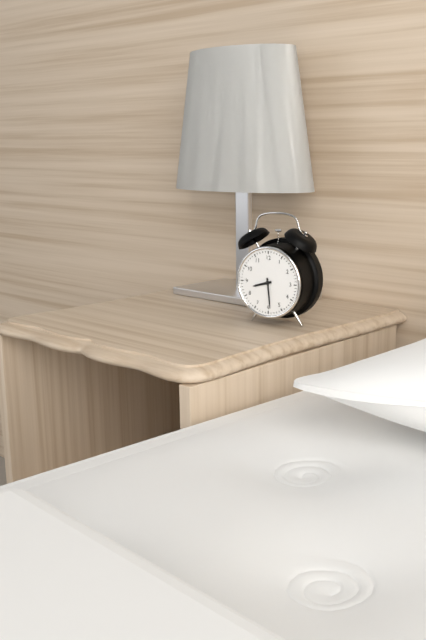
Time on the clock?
8:29
